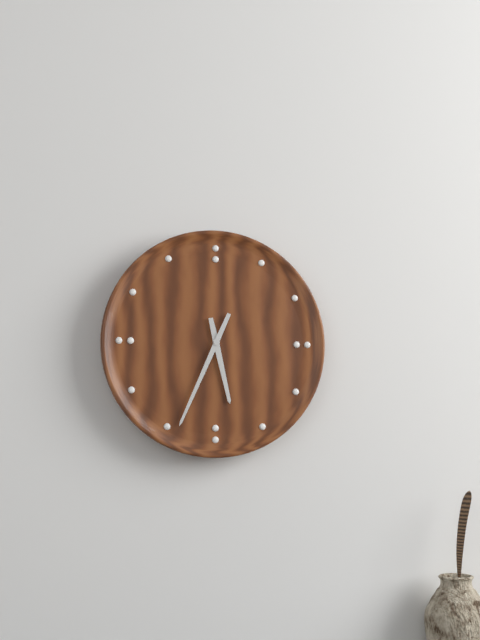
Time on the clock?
5:34
